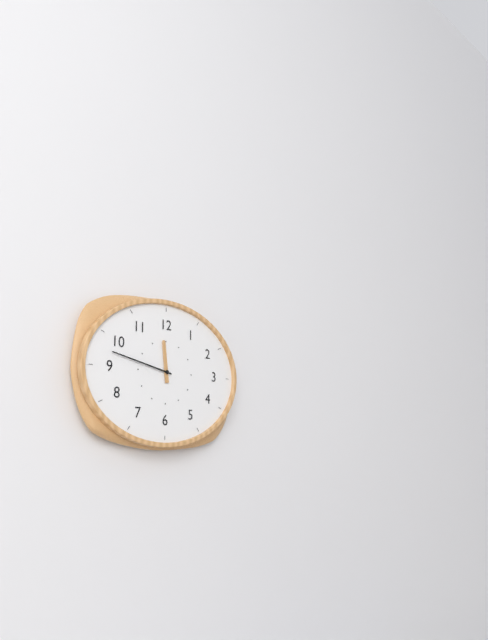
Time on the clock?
11:47
